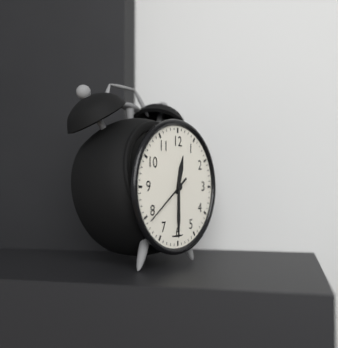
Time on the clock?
12:30:39
